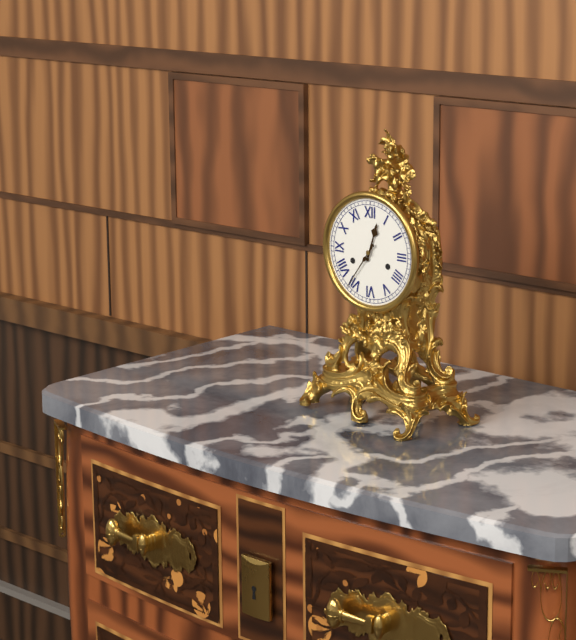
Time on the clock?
12:36
